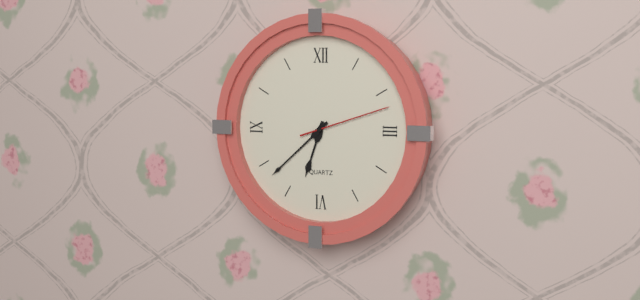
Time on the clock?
6:38:12
